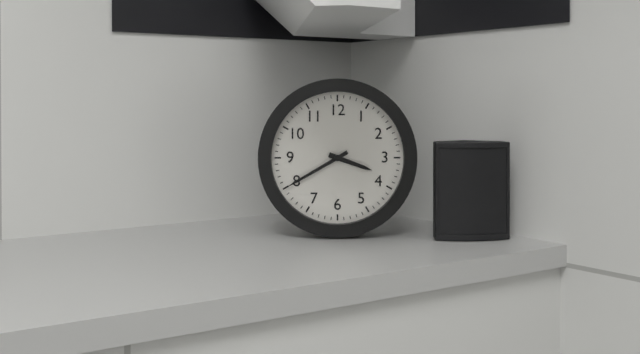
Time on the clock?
3:40
